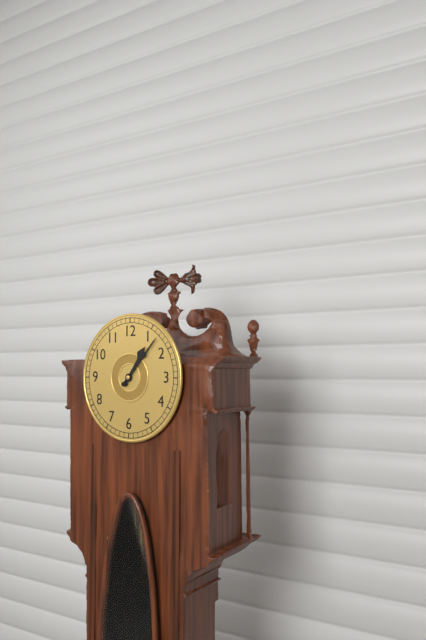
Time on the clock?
1:07
